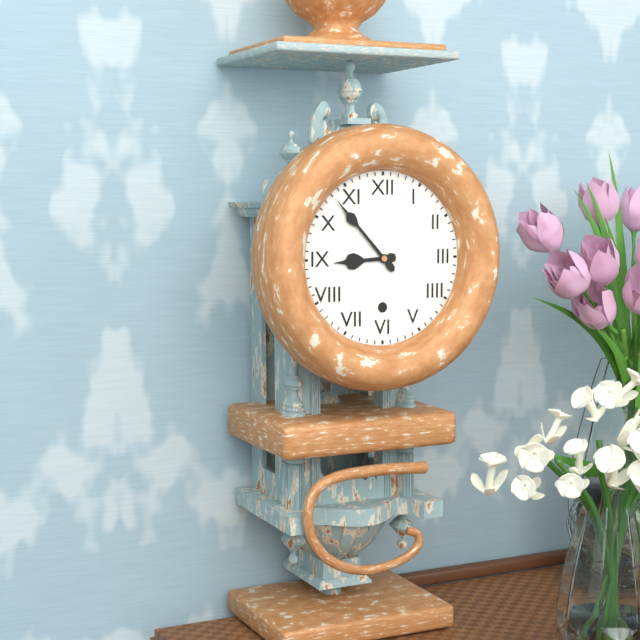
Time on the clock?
8:53
